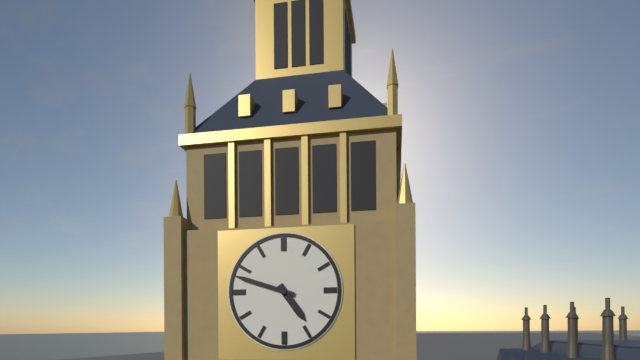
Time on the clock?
4:48
